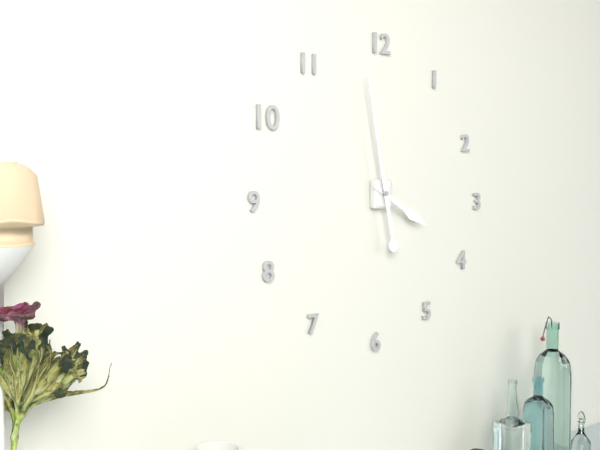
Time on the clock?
3:58
